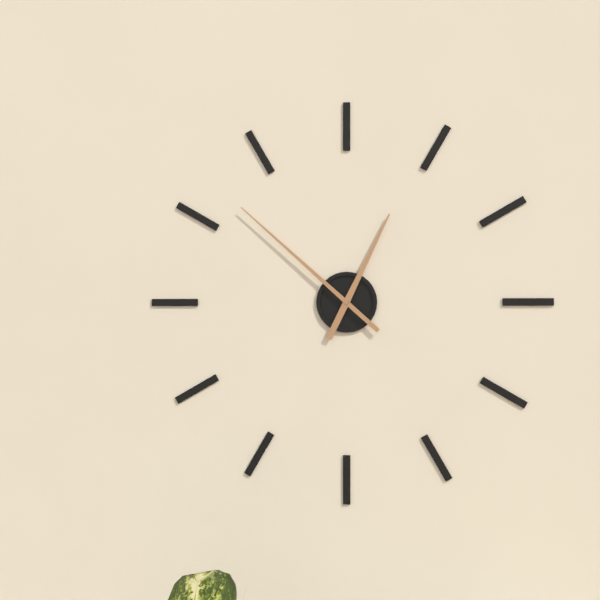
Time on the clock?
12:52
